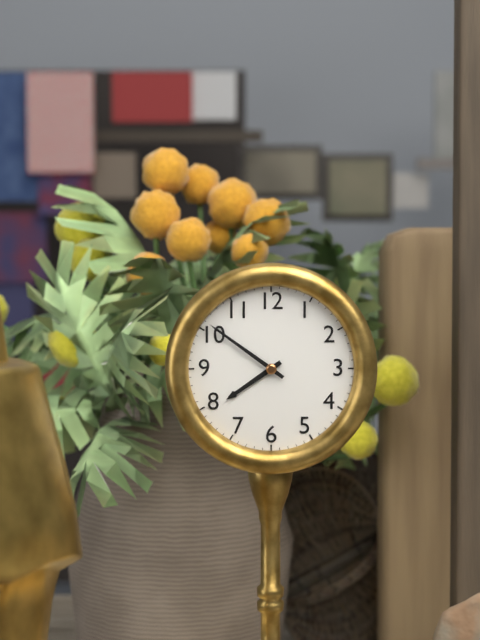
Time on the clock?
7:51
